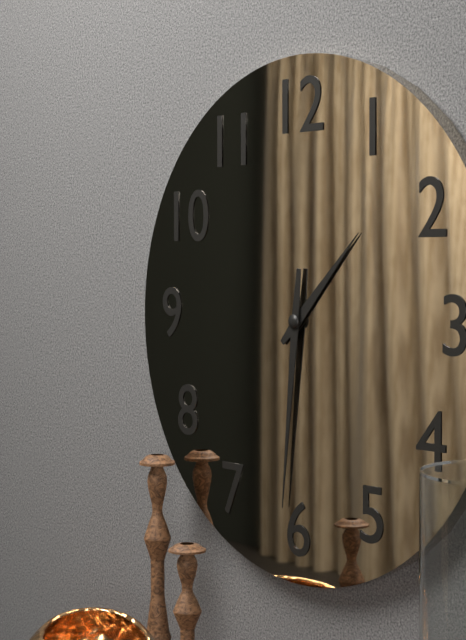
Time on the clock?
1:31
